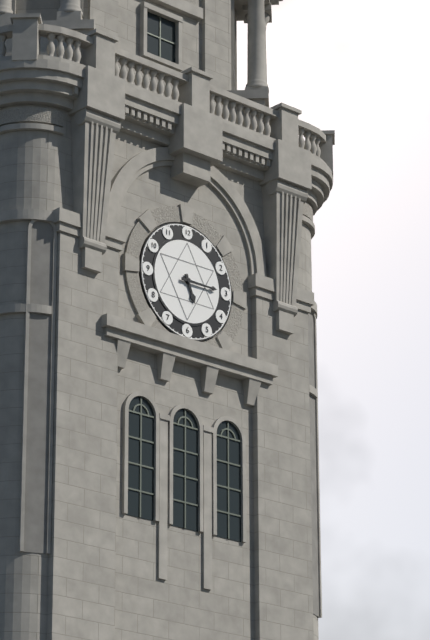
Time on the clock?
5:15
